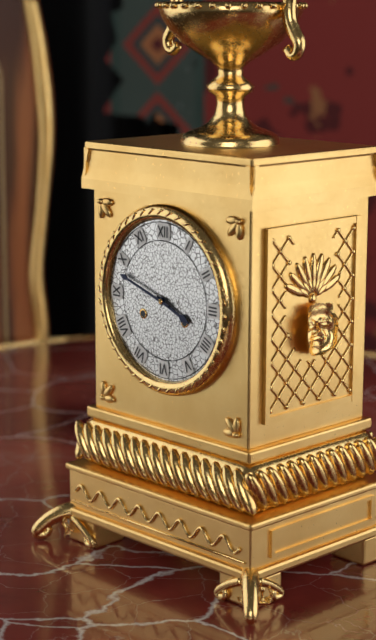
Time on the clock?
3:48
